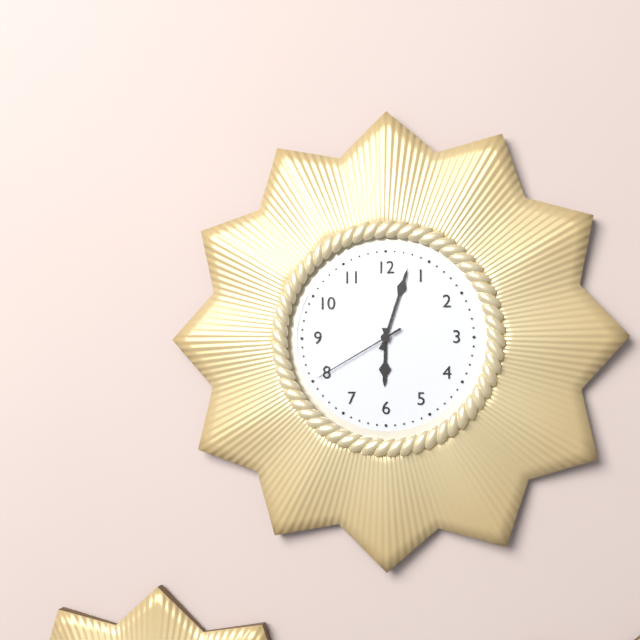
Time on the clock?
6:03:40
